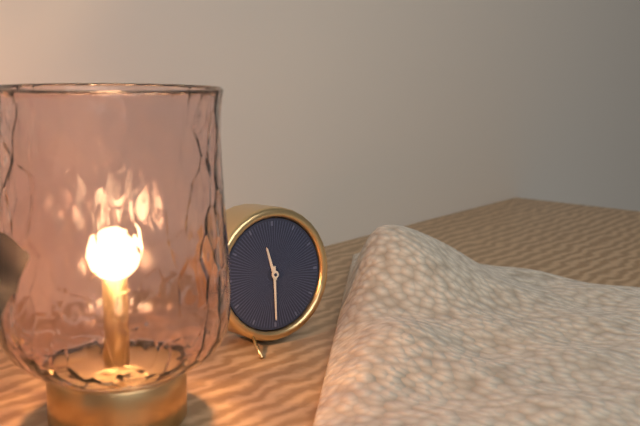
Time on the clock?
11:30
